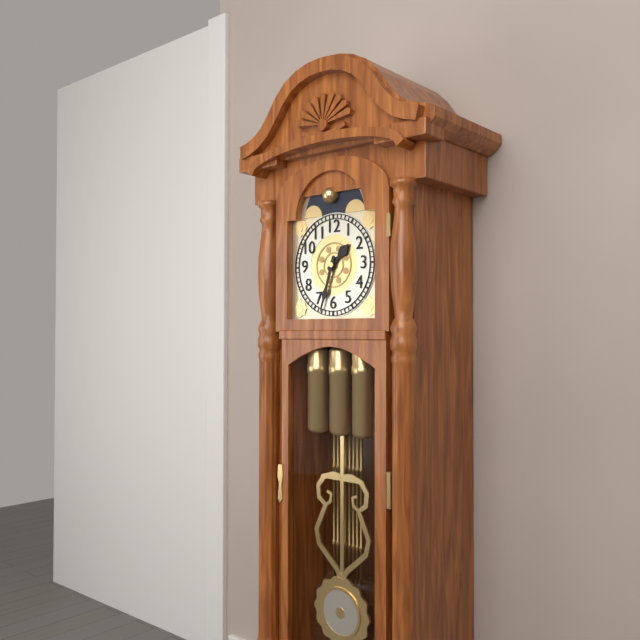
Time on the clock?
1:33
